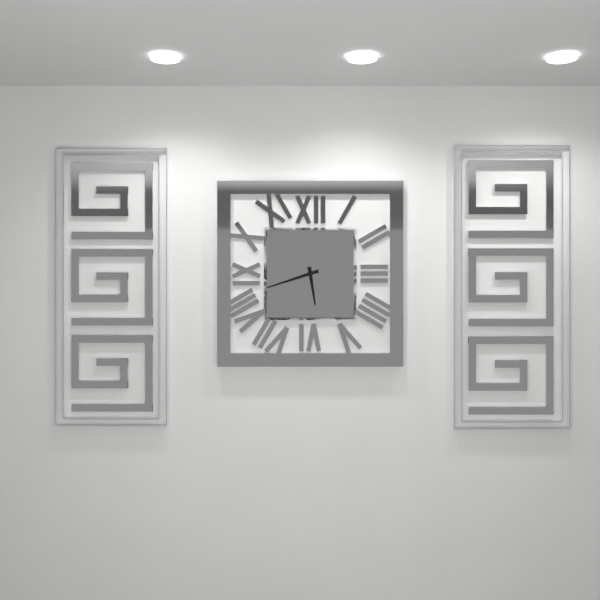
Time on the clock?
5:42
